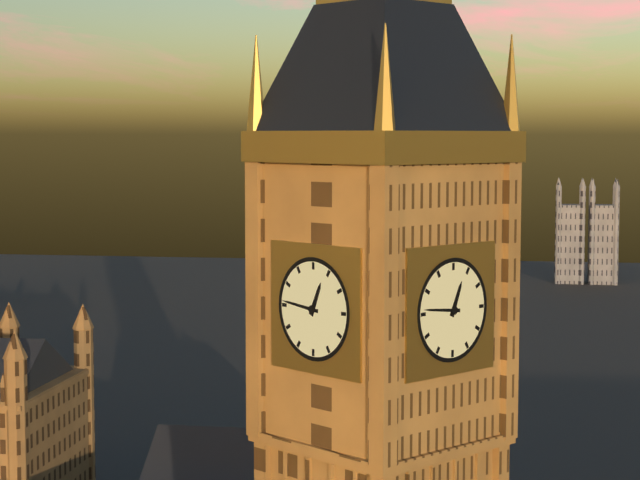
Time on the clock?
12:46
